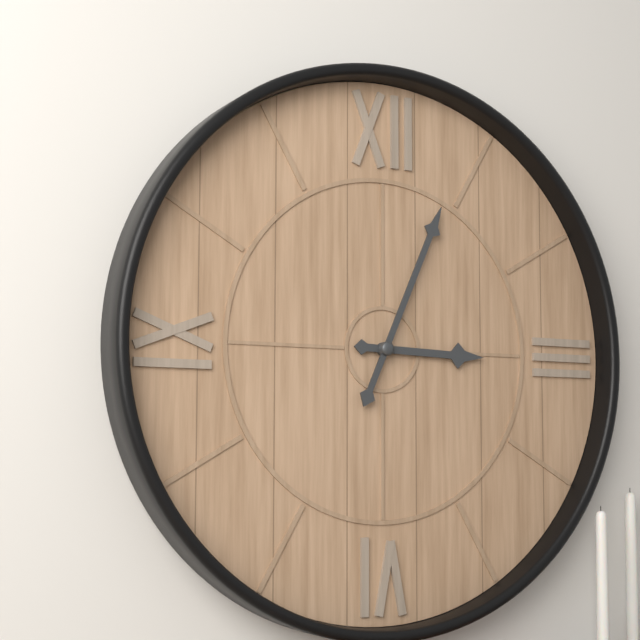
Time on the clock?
3:04
